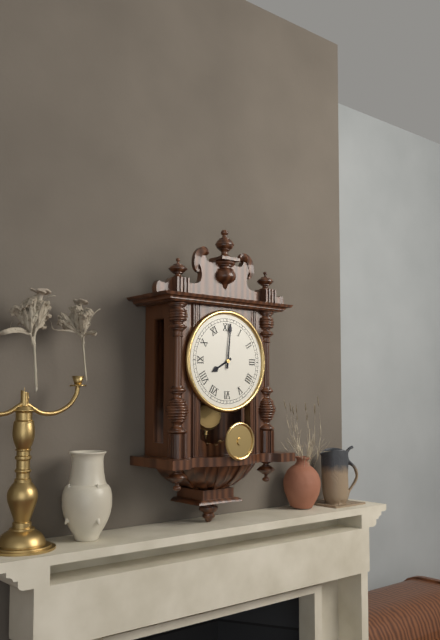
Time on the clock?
8:01
